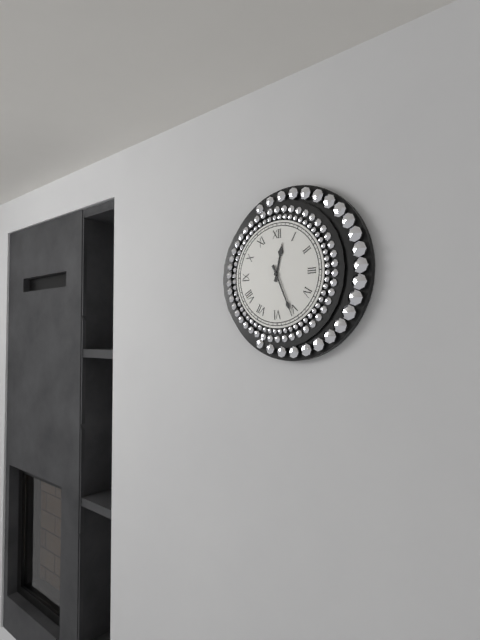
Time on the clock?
12:26
